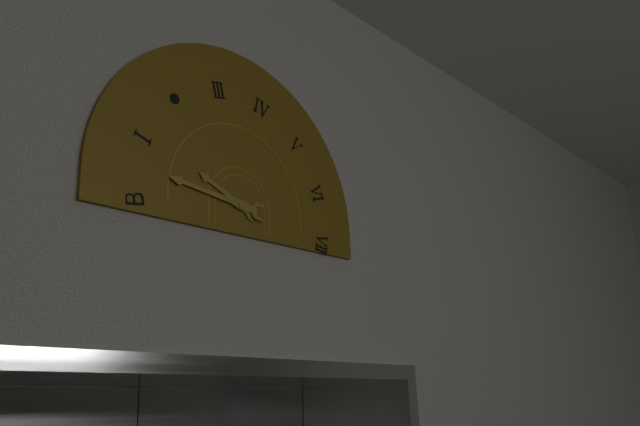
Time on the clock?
9:46
